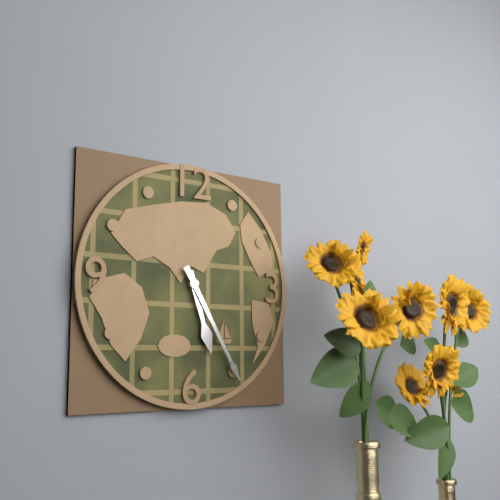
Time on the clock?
5:25
